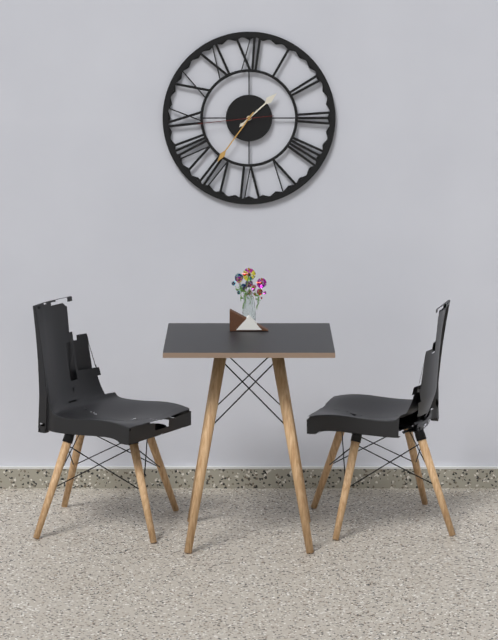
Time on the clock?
1:36:44
